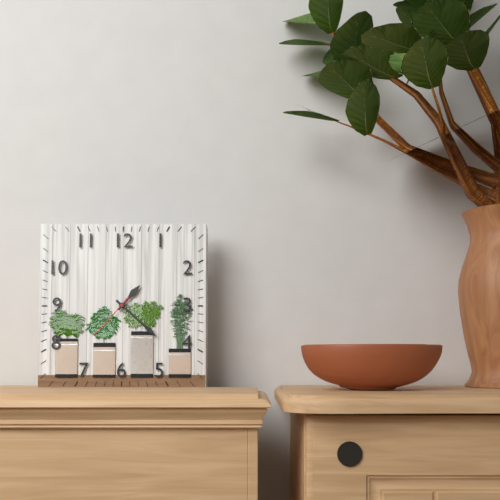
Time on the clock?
1:22:37
